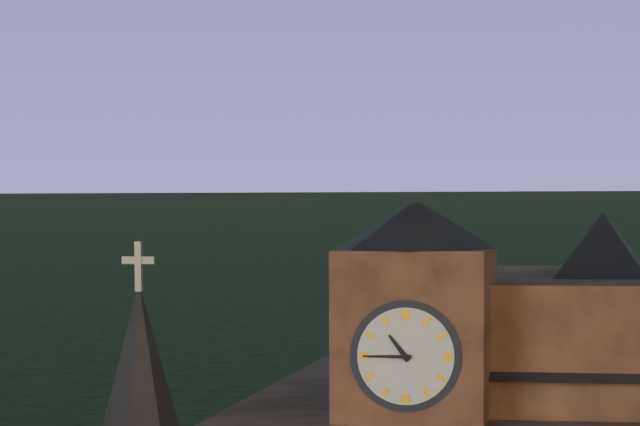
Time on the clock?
10:45
